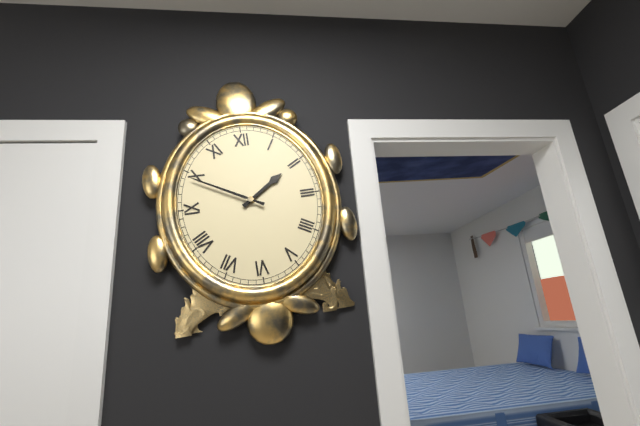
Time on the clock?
1:50
